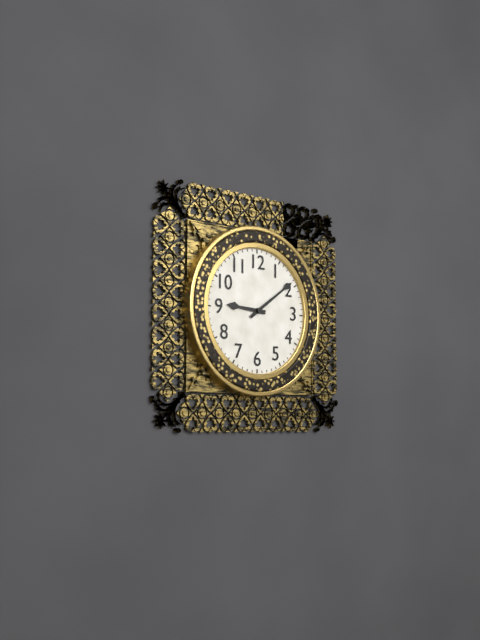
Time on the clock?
9:09
